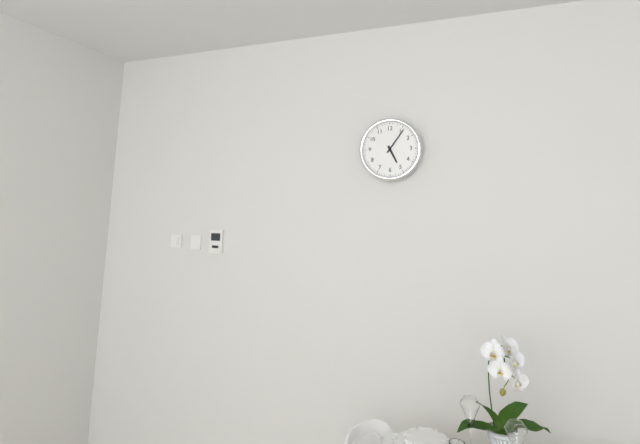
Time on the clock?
5:06
